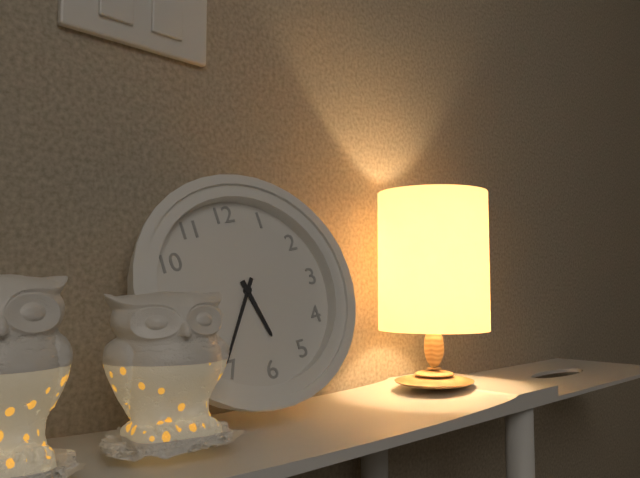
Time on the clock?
5:36
